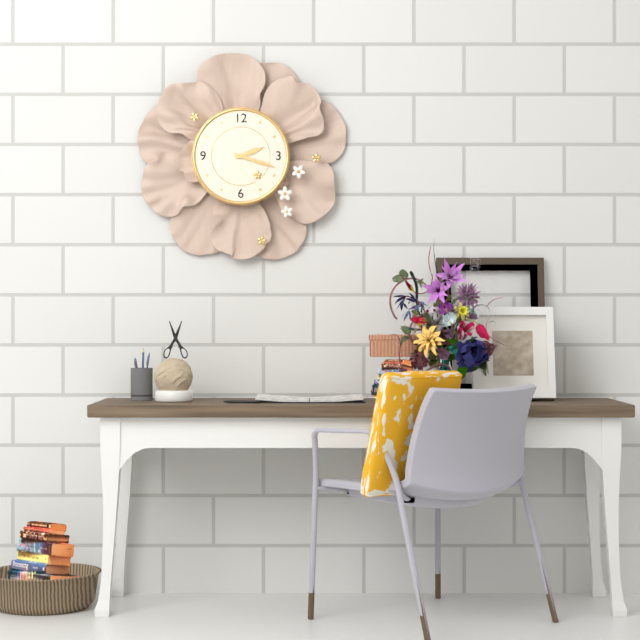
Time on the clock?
2:18
